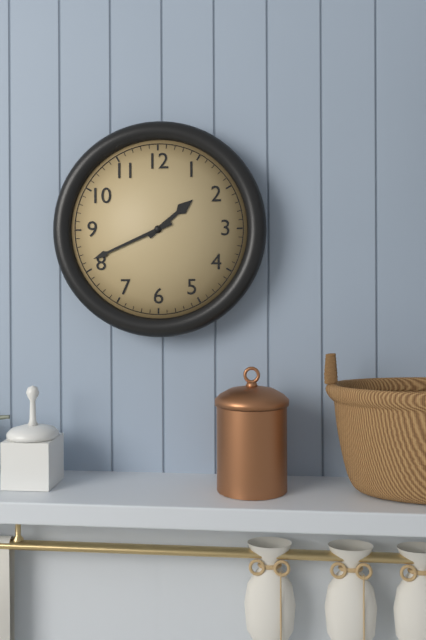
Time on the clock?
1:41
